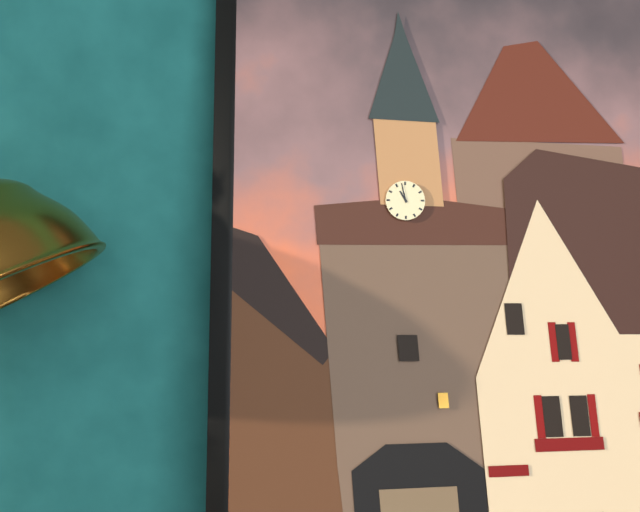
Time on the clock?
10:58
